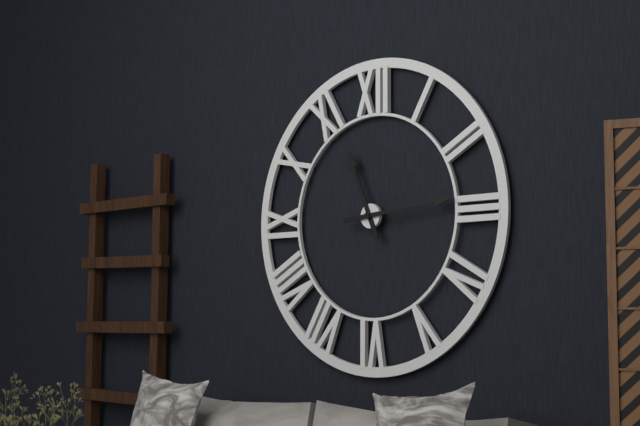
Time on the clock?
11:14
